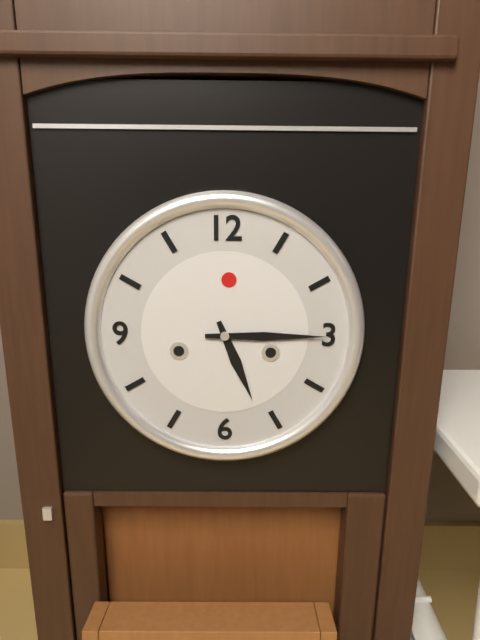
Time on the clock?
5:15
